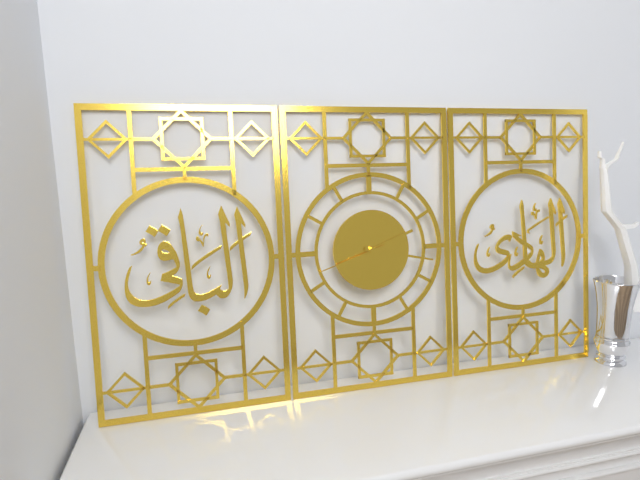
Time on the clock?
2:17:42
